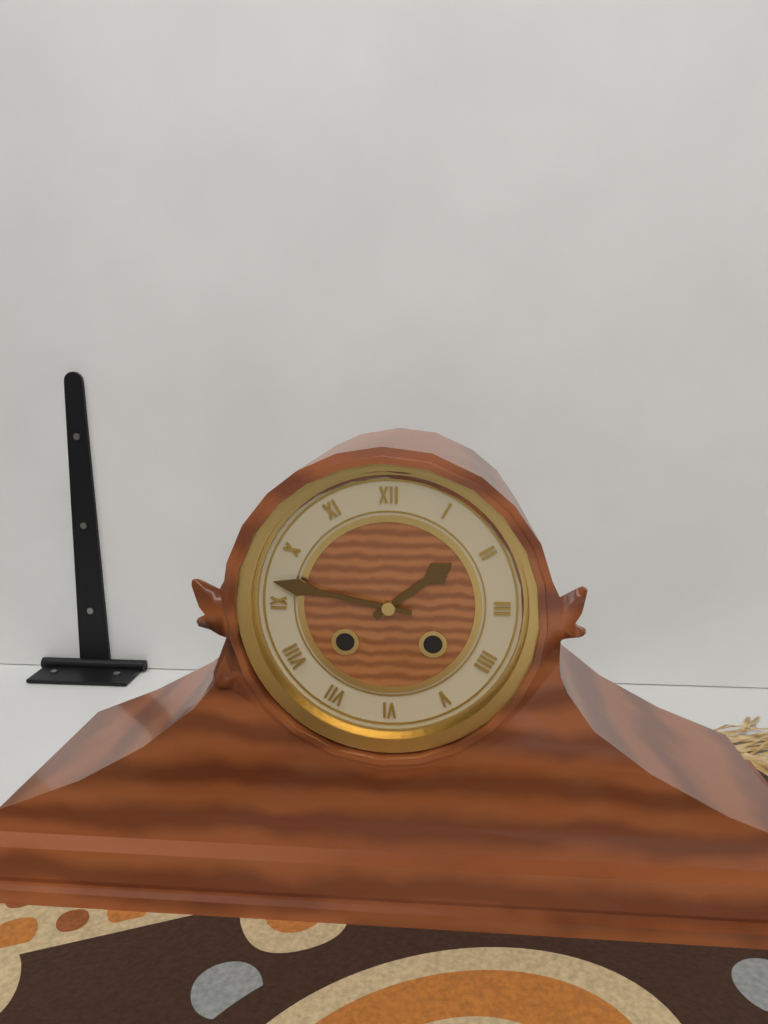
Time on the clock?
1:47
